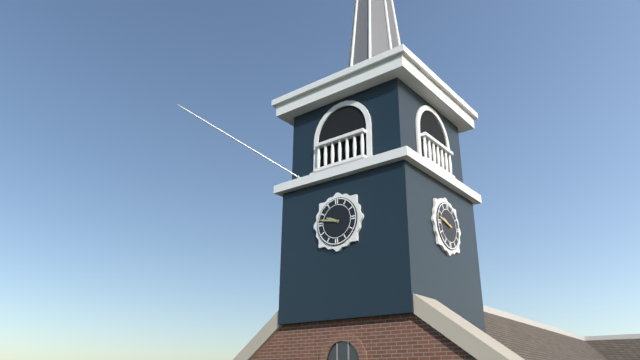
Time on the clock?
9:47
